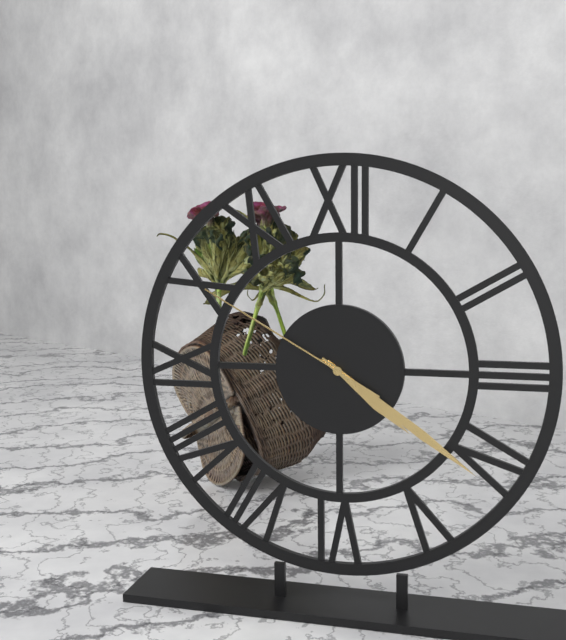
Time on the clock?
4:21:50
